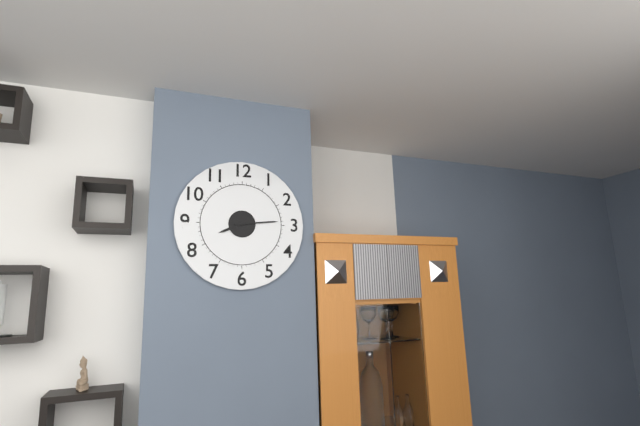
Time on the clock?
8:14
